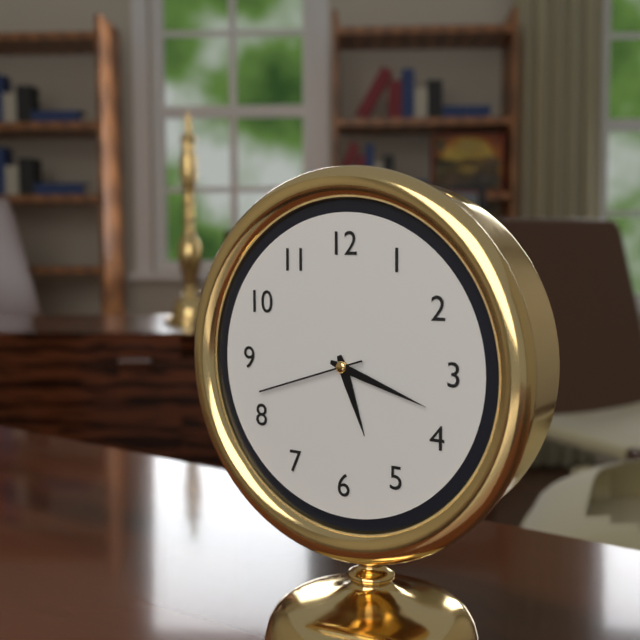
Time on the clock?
5:18:42
